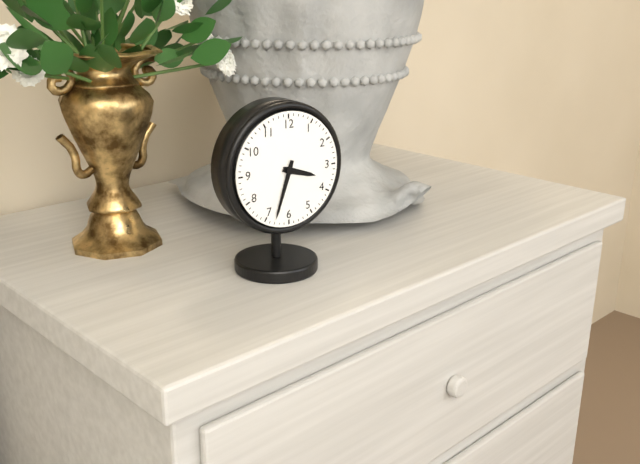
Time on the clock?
3:33
